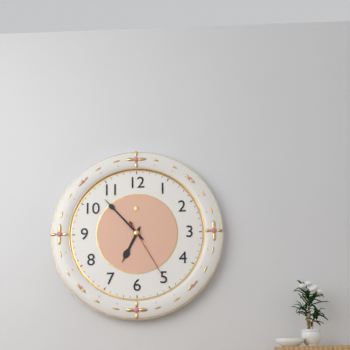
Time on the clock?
6:53:25
